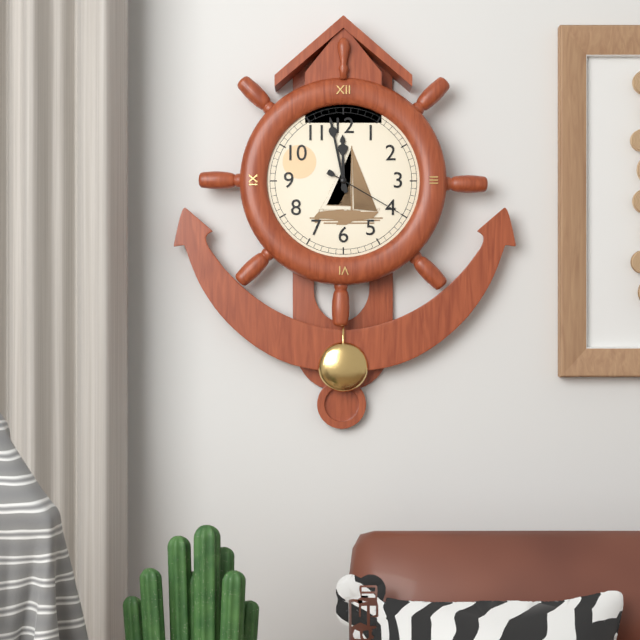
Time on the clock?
11:58:20
